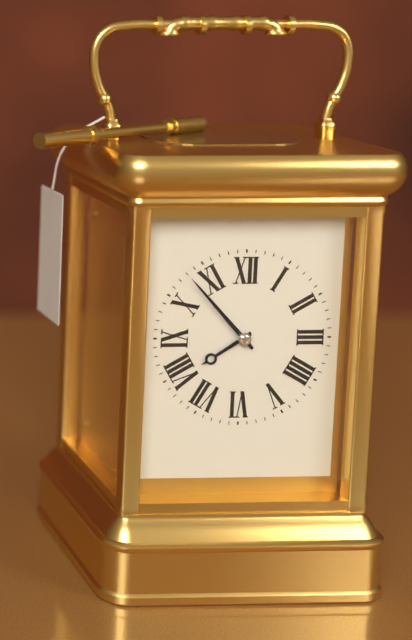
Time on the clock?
7:53
